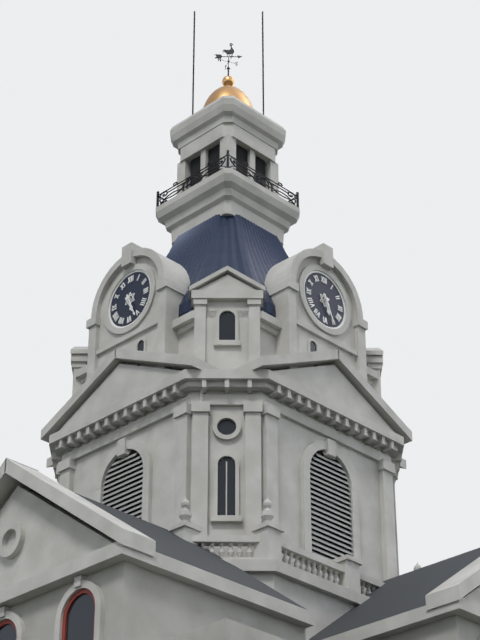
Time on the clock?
5:26
